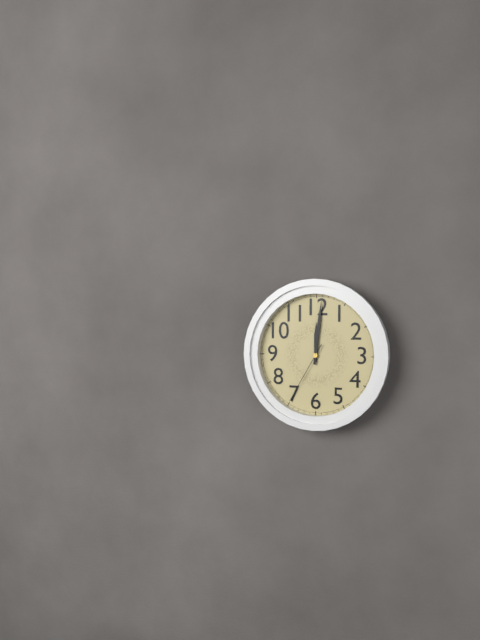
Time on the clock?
12:01:35
